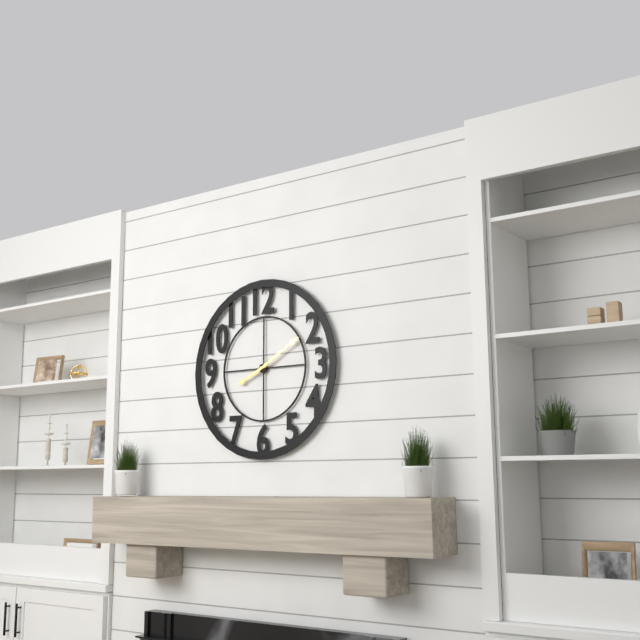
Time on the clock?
8:10
